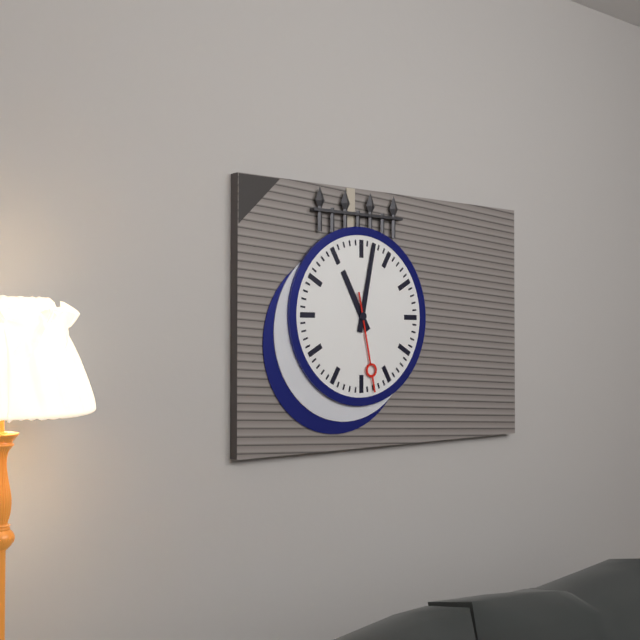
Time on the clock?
11:02:28
